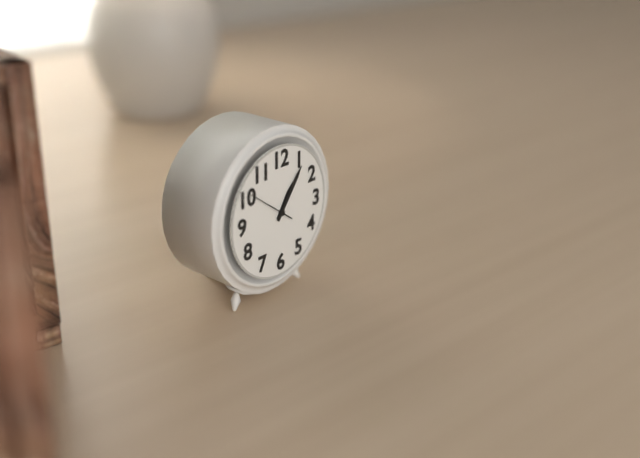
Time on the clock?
1:06
